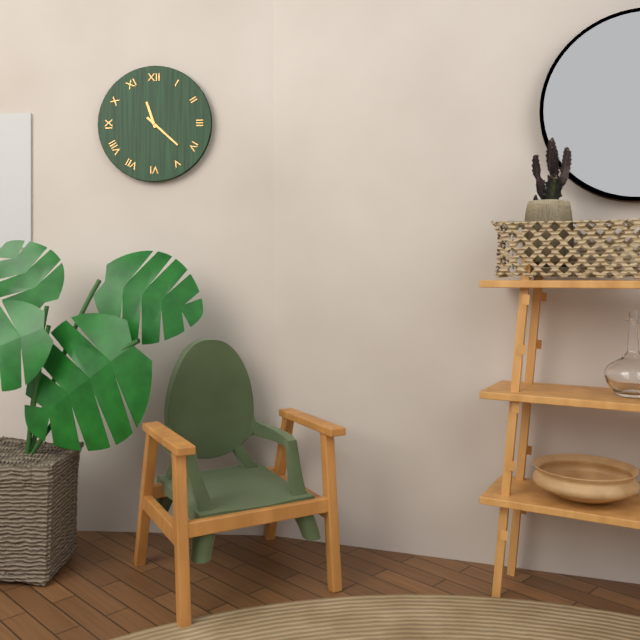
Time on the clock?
11:22
